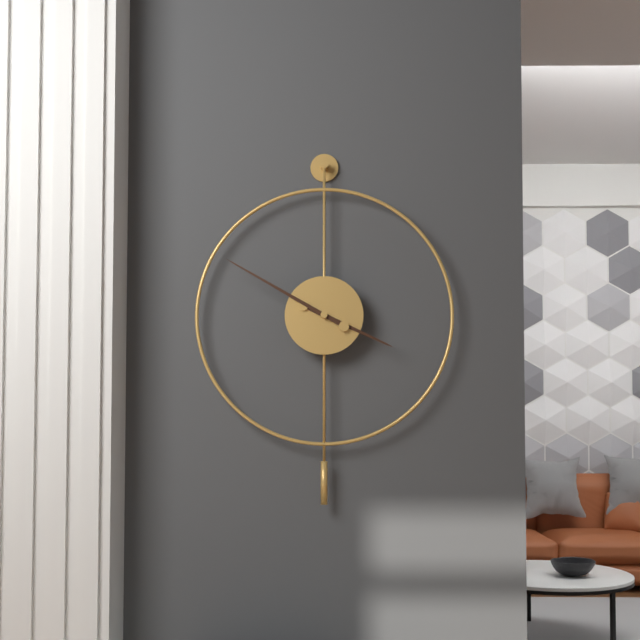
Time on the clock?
3:50
